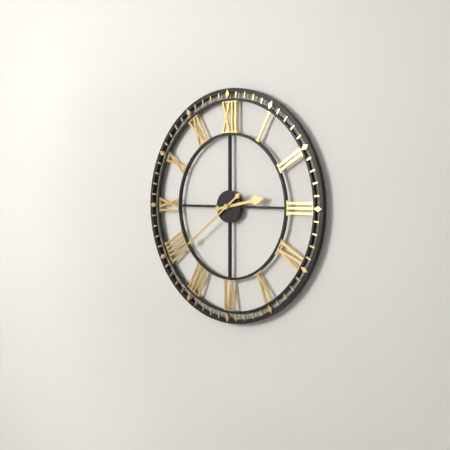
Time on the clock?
2:39
